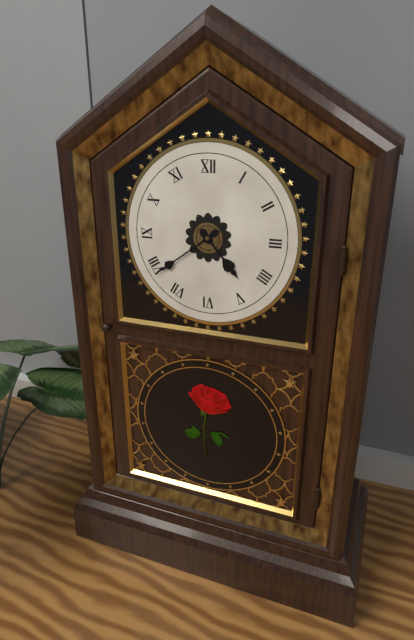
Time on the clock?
4:39
